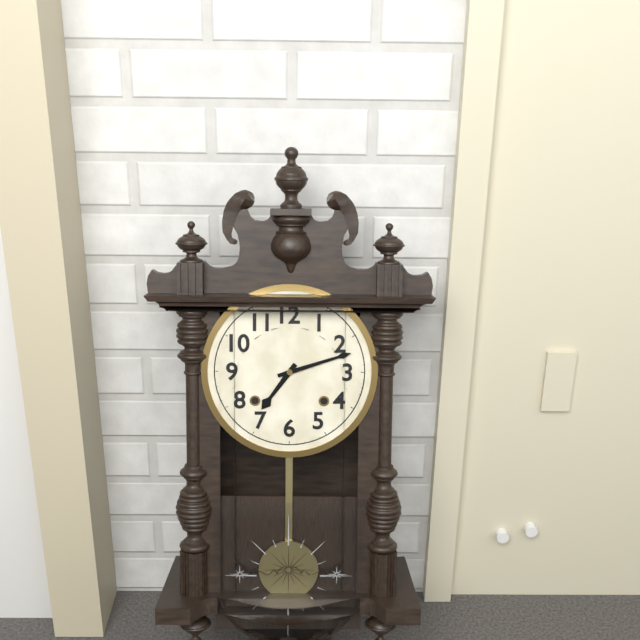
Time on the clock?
7:12
